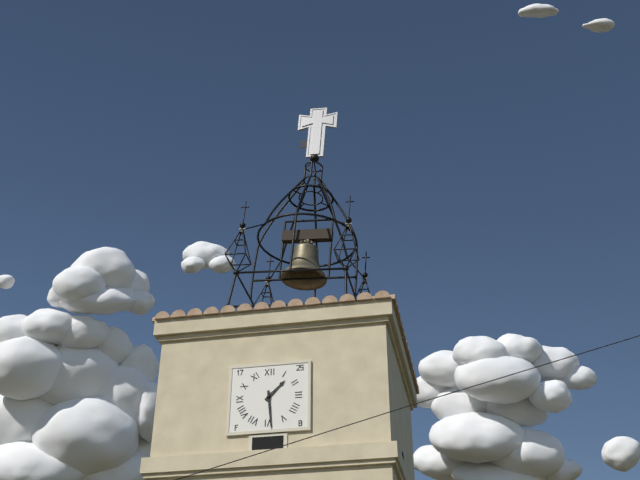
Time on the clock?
1:29
